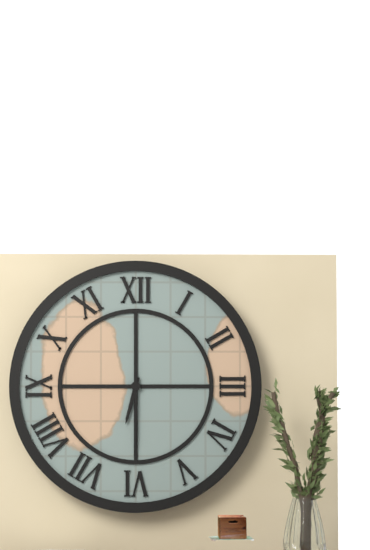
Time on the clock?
6:30
